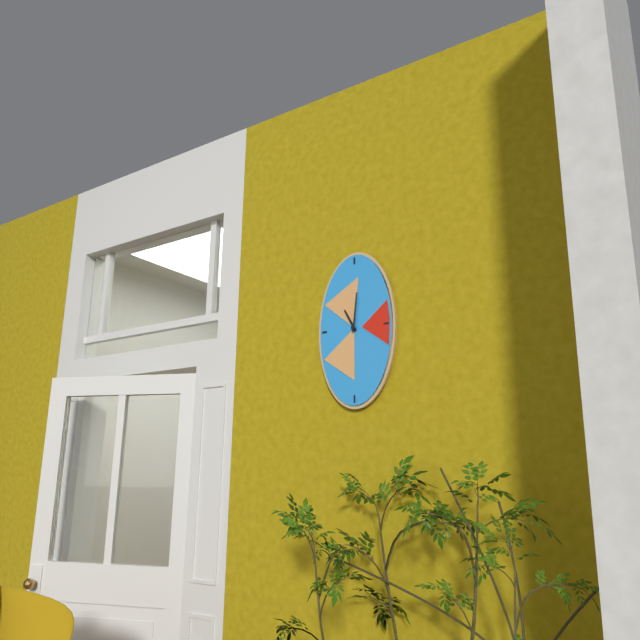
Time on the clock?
11:01
